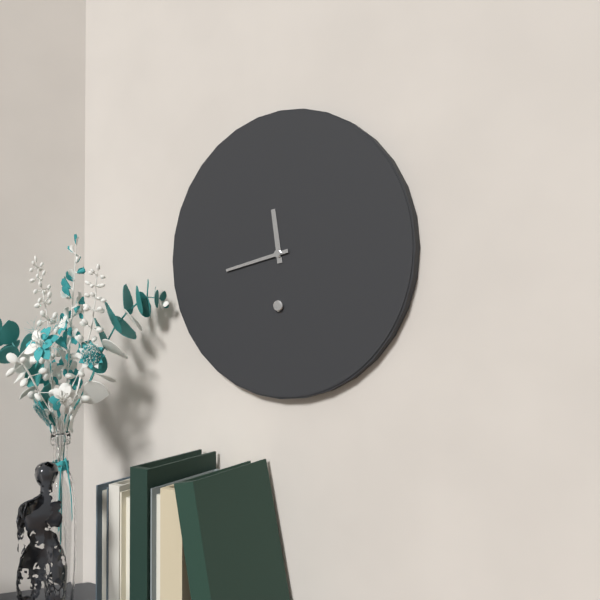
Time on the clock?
11:43
